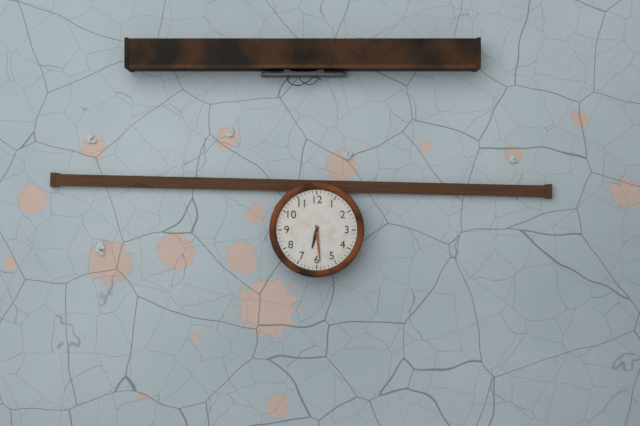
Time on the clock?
6:29
